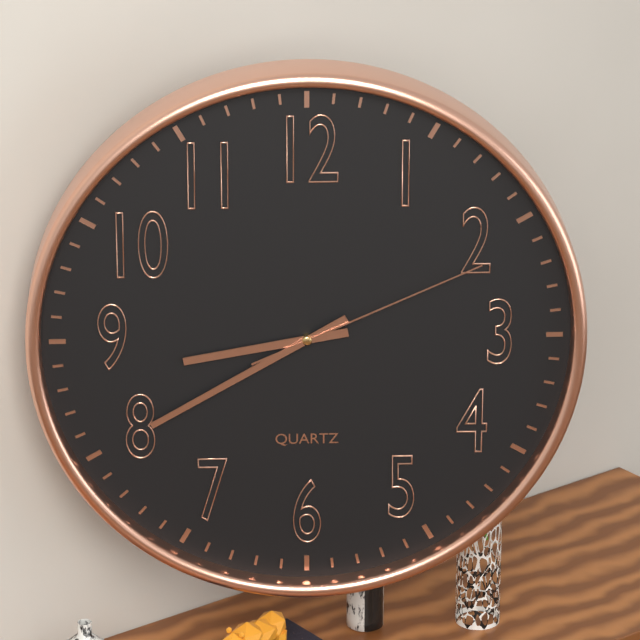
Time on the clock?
8:40:11
